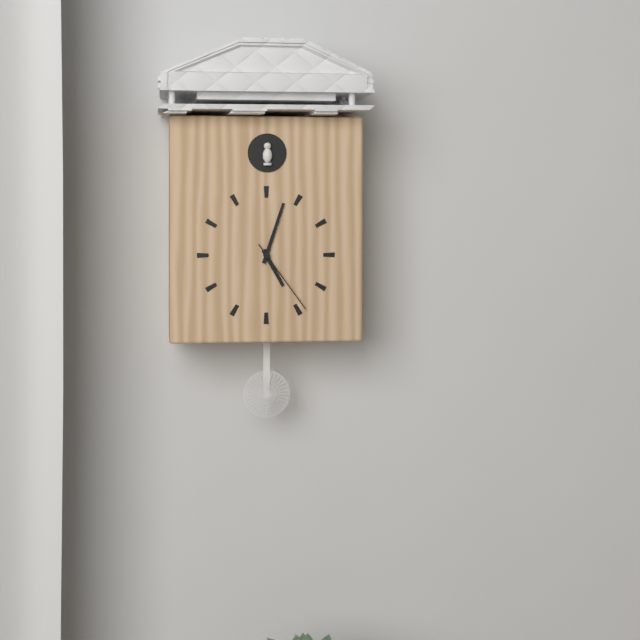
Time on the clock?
5:03:24
